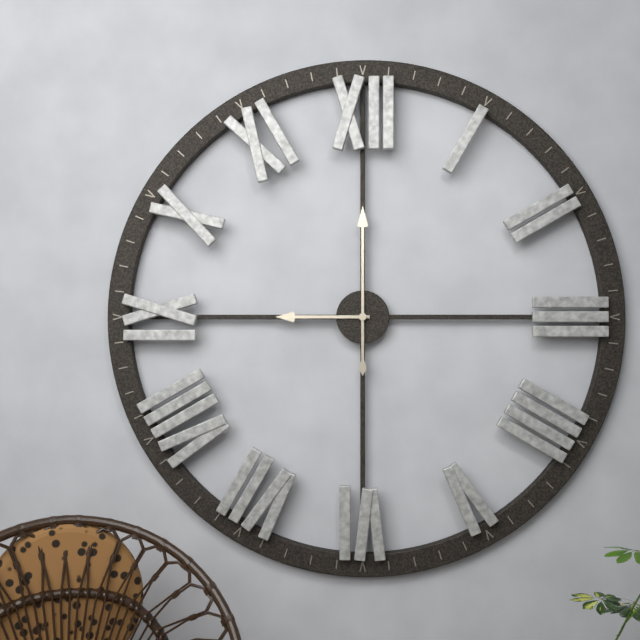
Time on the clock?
9:00
